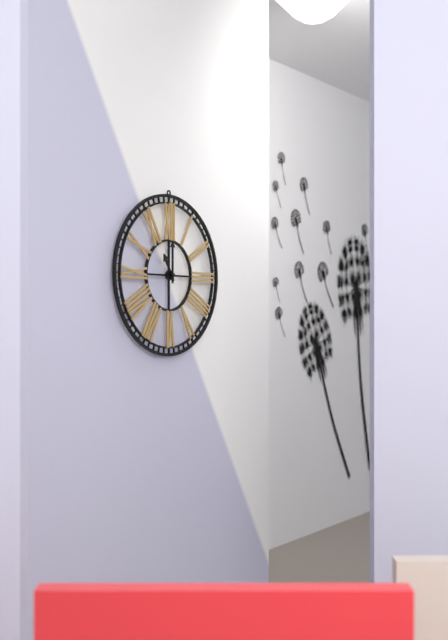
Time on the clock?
11:00
